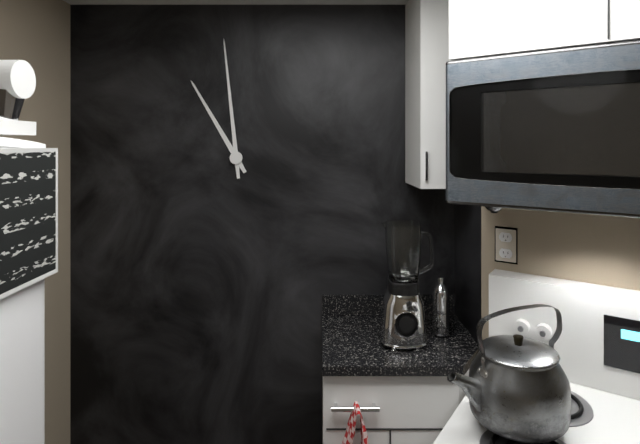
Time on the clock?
10:59
